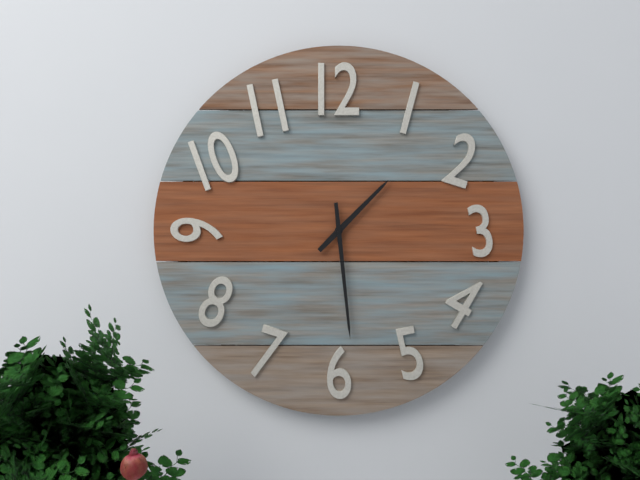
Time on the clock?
1:29
